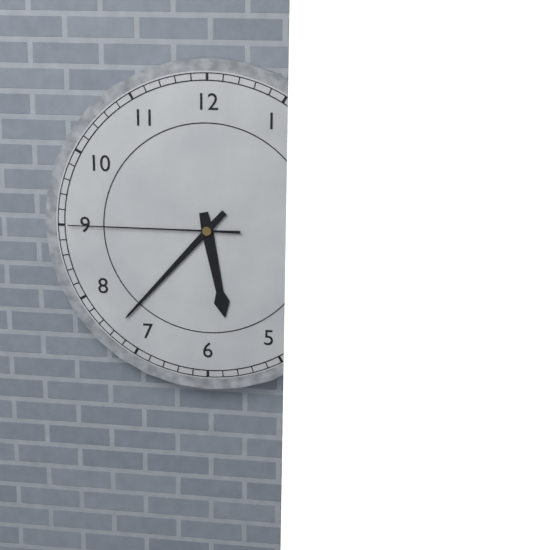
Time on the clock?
5:37:45
